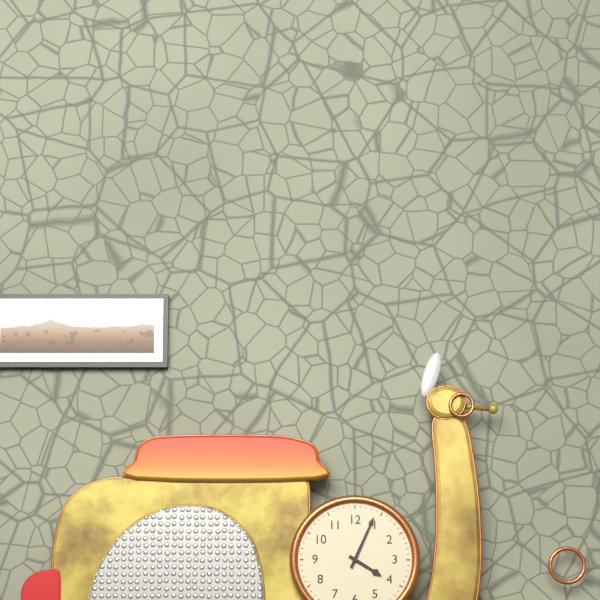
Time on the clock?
4:04
